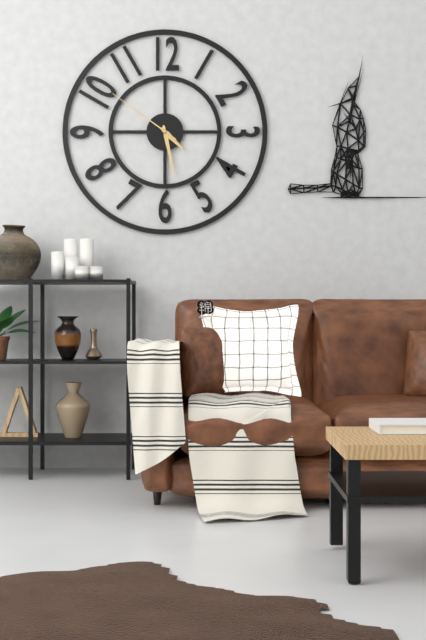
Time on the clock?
4:28:51
